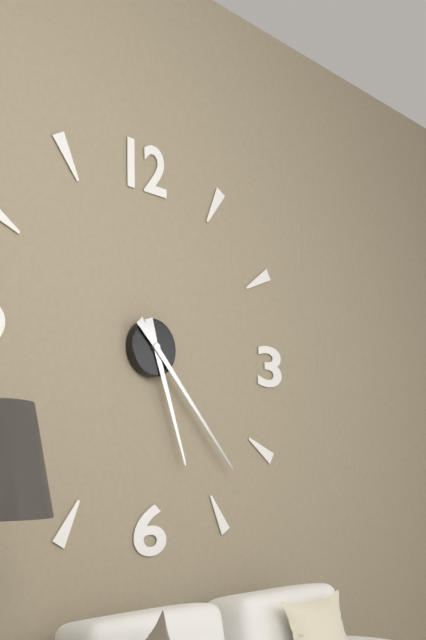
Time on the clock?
5:23
